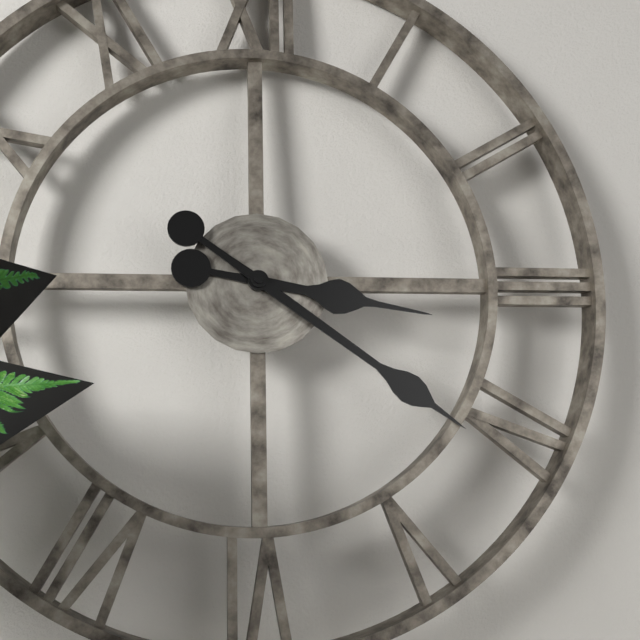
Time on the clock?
3:21
